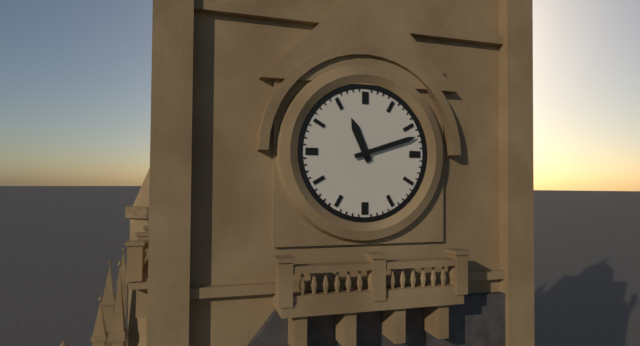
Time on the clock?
11:12
